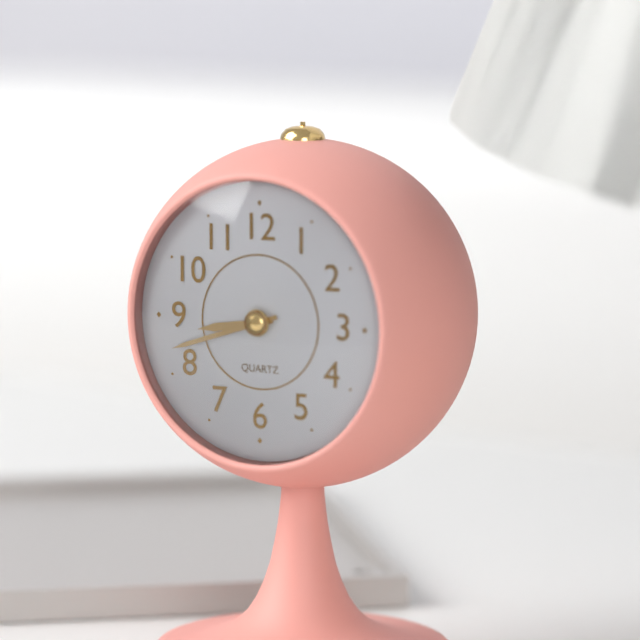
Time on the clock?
8:42
